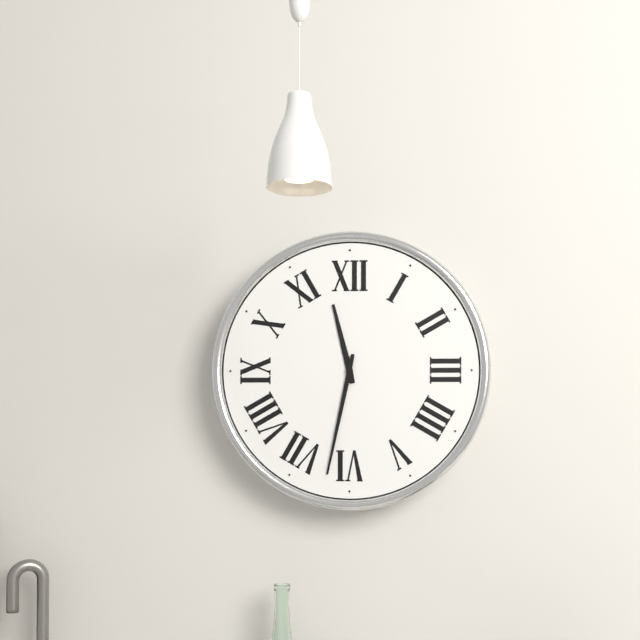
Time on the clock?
11:32
